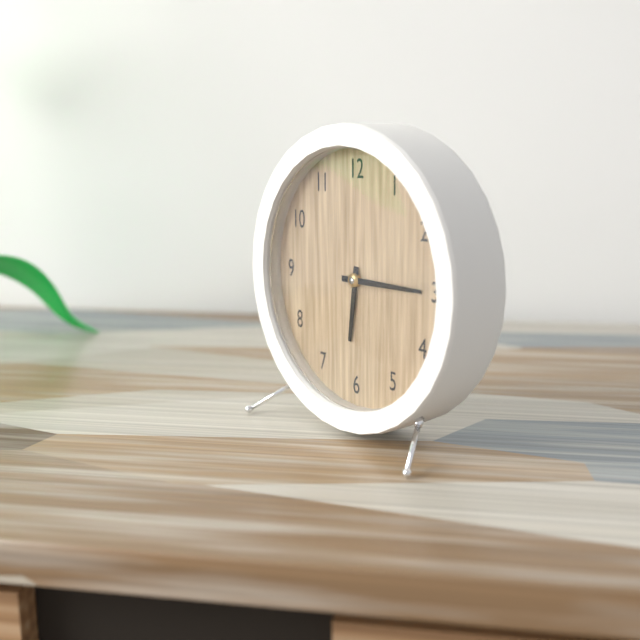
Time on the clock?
6:15
